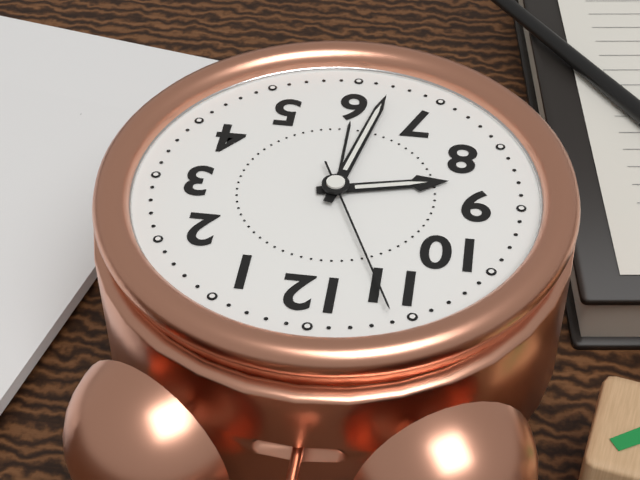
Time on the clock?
8:32:56
